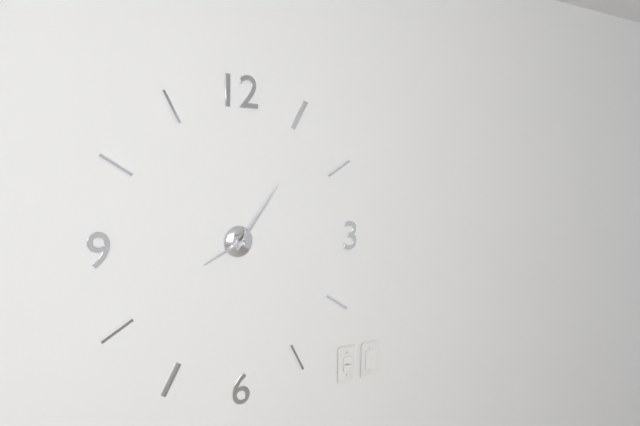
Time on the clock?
8:06
